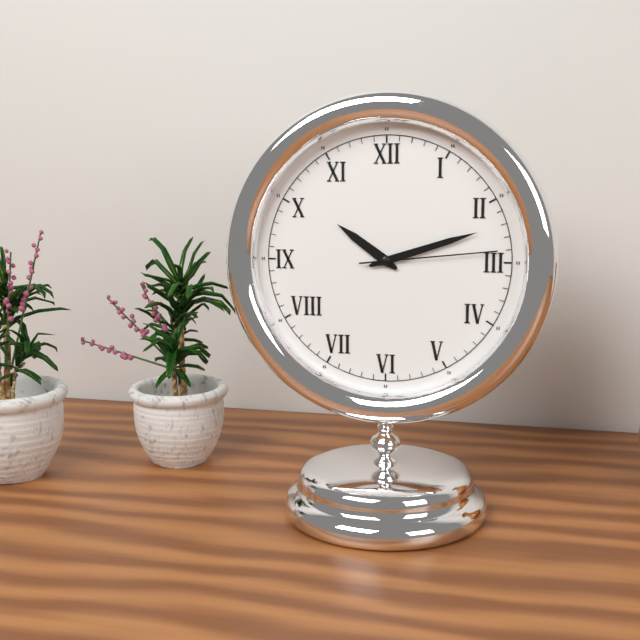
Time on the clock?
10:12:14
